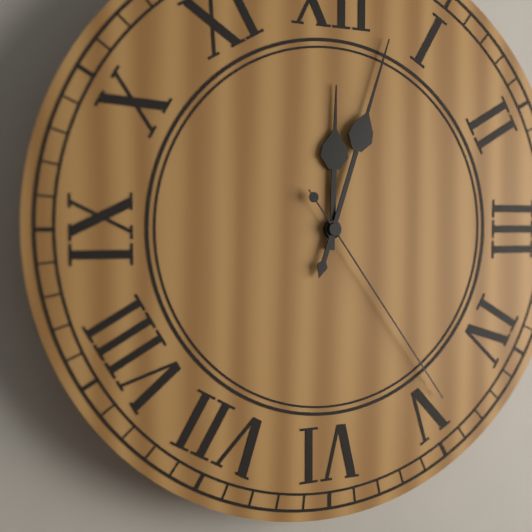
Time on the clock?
12:03:24
